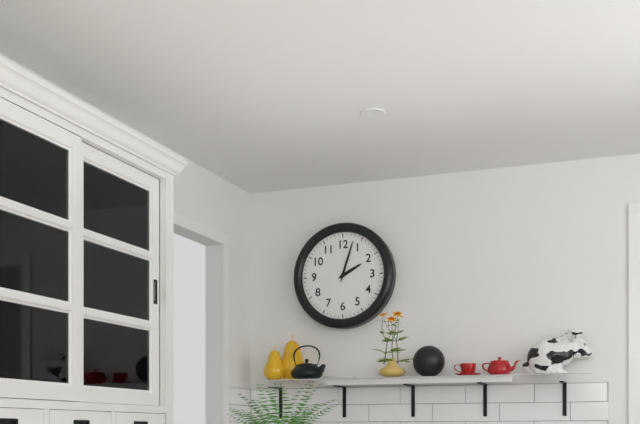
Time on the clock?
2:03
